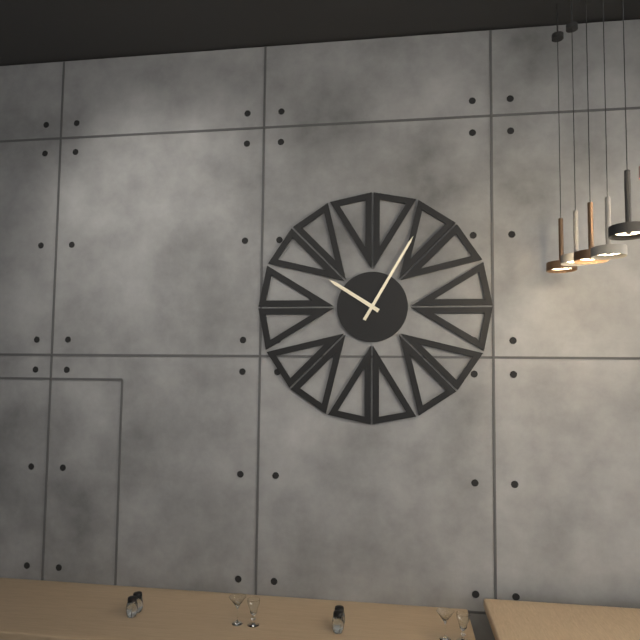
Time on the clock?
10:05
